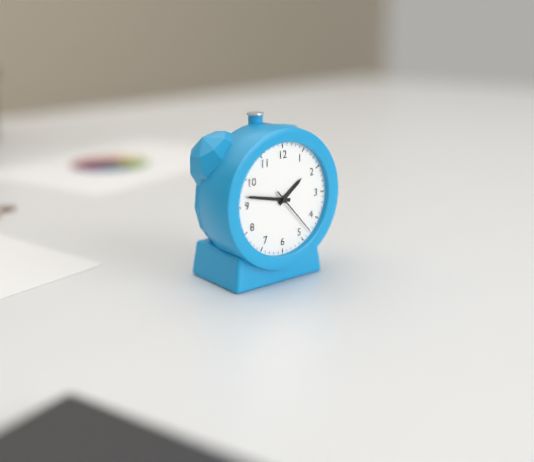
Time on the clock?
1:47:23
